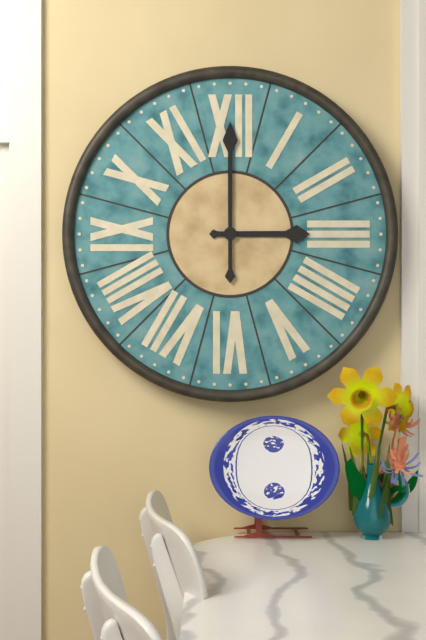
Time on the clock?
3:00
